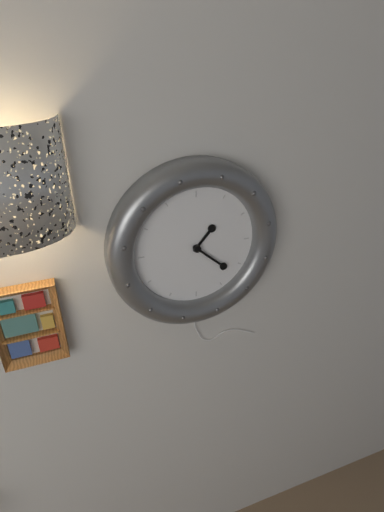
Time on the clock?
1:22
